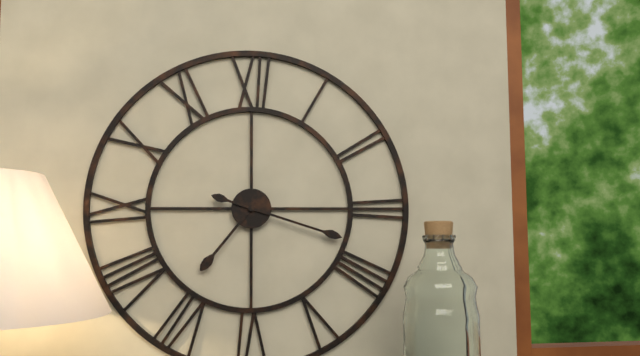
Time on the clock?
7:18
